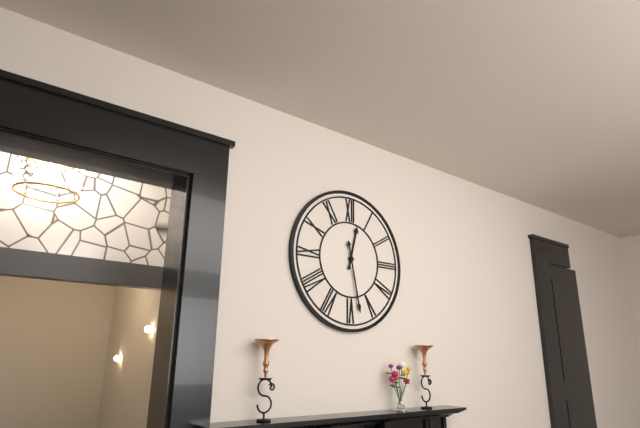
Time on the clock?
12:28
